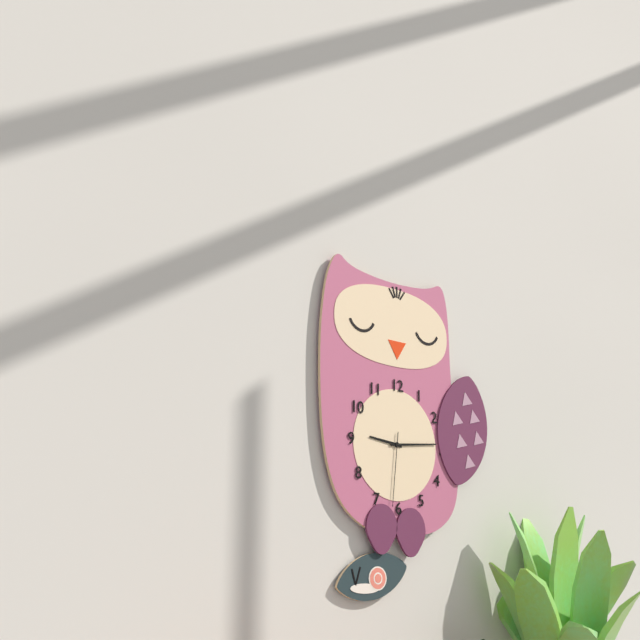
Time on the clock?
9:14:31
